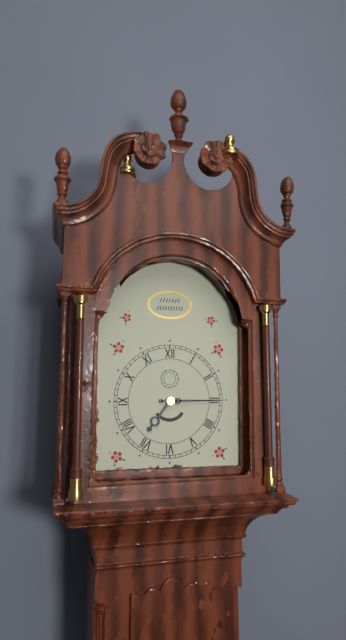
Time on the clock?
7:15
